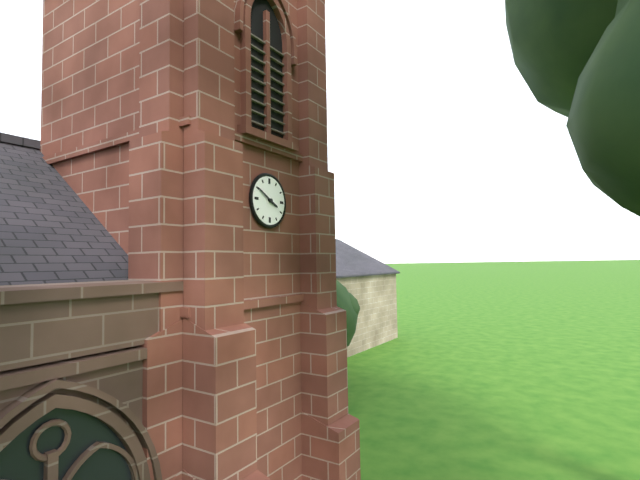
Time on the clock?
3:50
